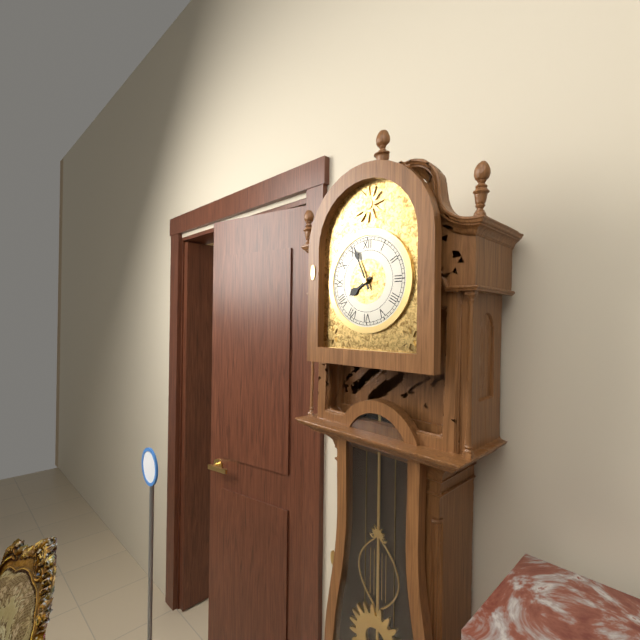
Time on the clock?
7:56
